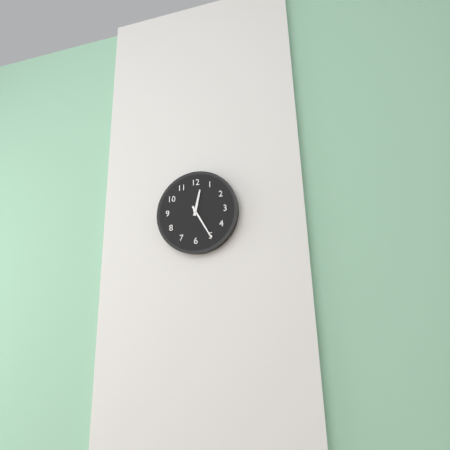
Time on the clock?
12:25
